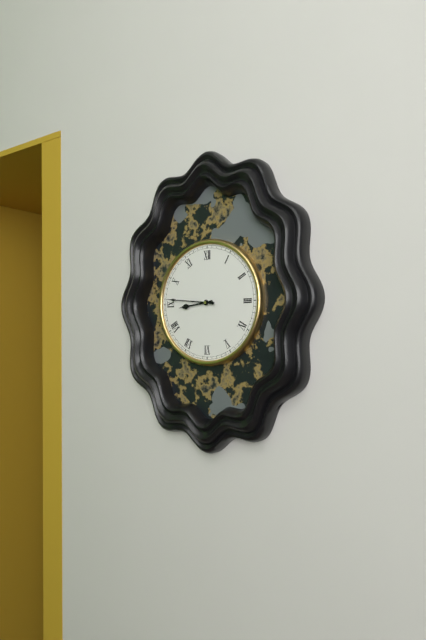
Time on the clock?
8:46
